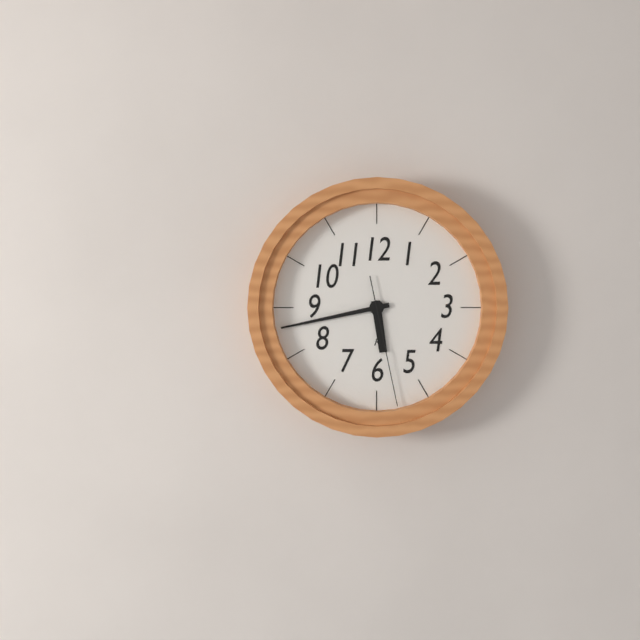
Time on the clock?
5:43:28
